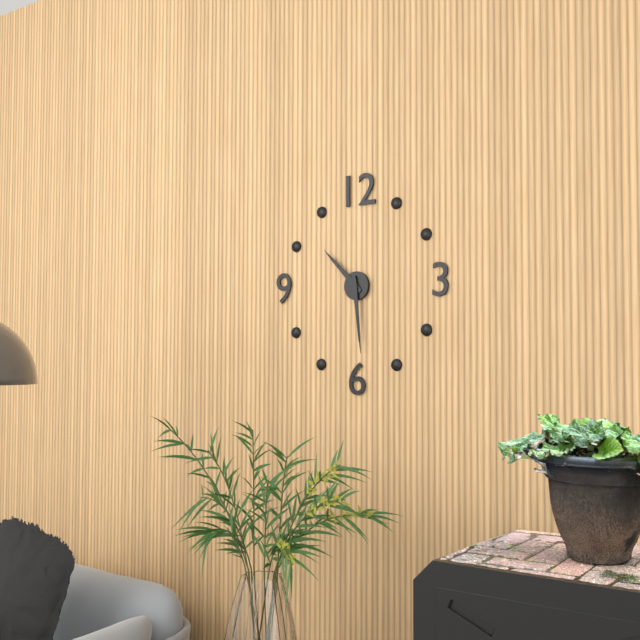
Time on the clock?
10:29
